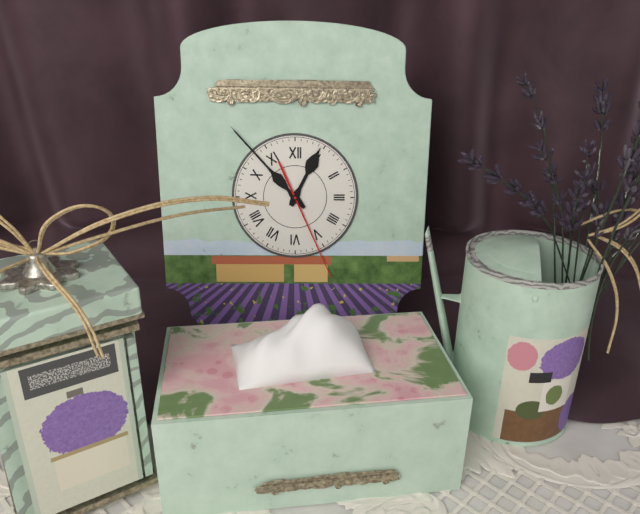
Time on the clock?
12:53:26
